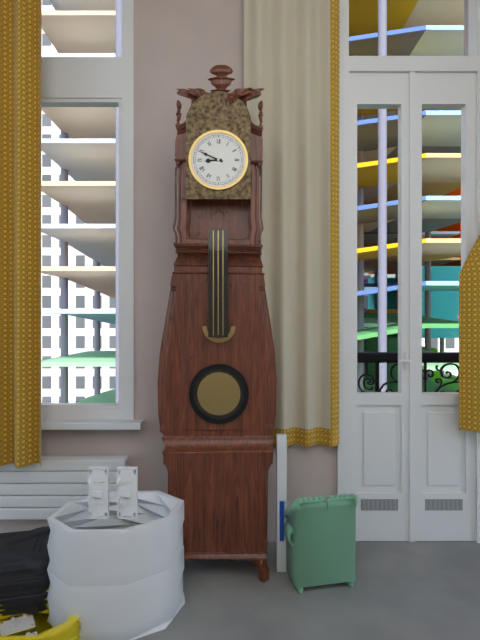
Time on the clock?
8:49
